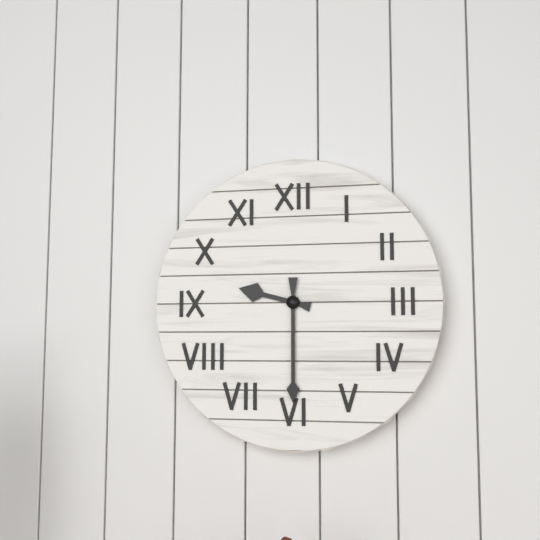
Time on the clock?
9:30
